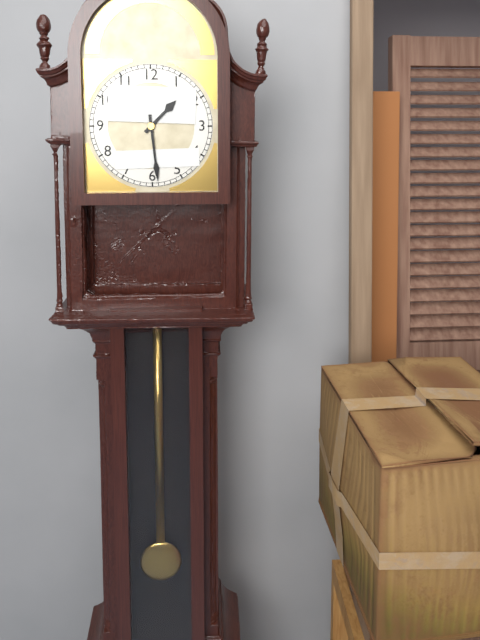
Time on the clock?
1:29
